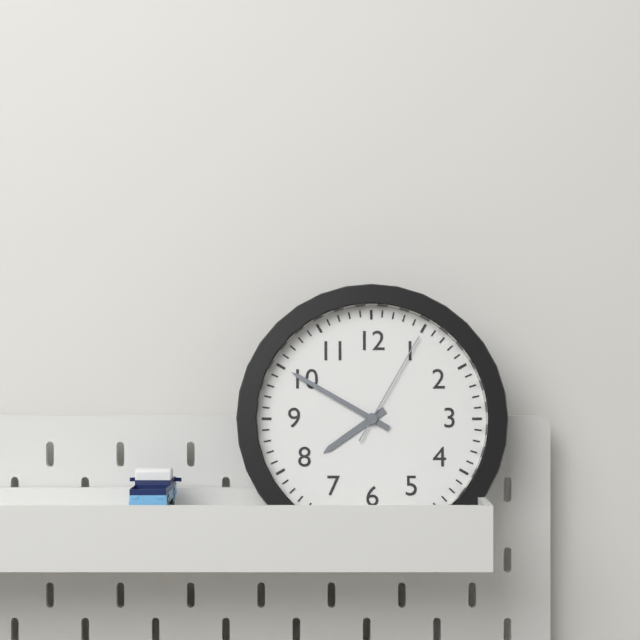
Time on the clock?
7:50:05
